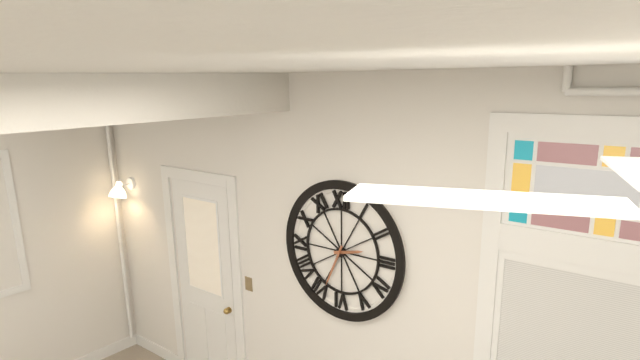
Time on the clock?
2:34
